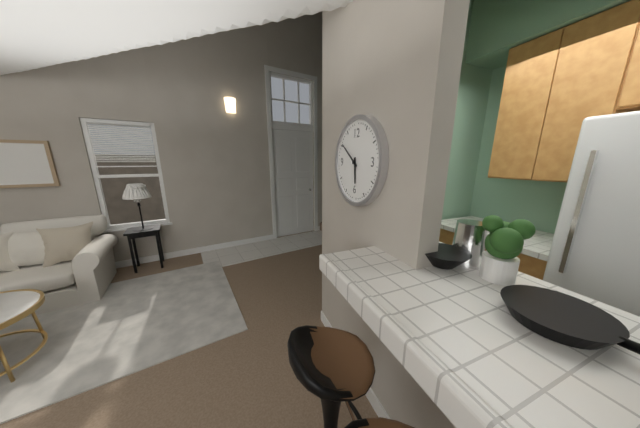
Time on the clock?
5:51
